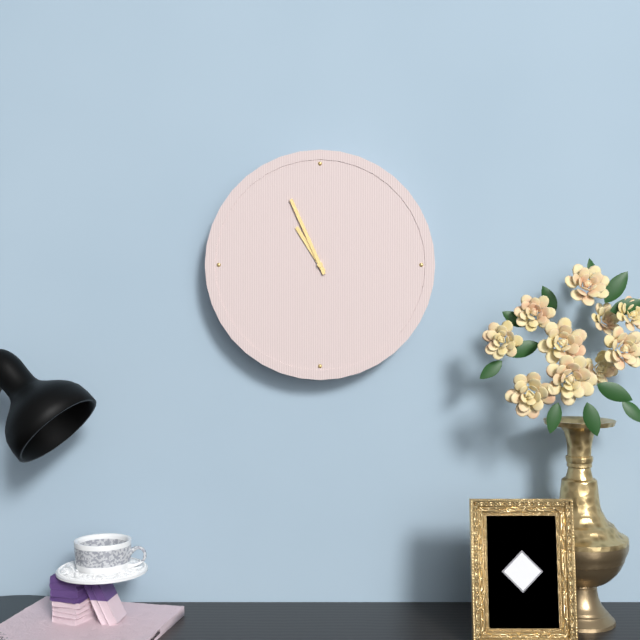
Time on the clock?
10:56
